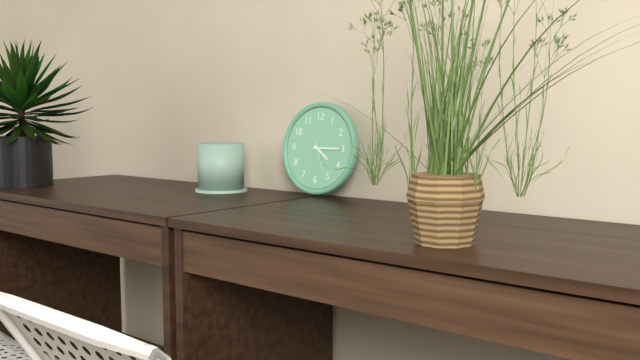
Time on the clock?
4:15
